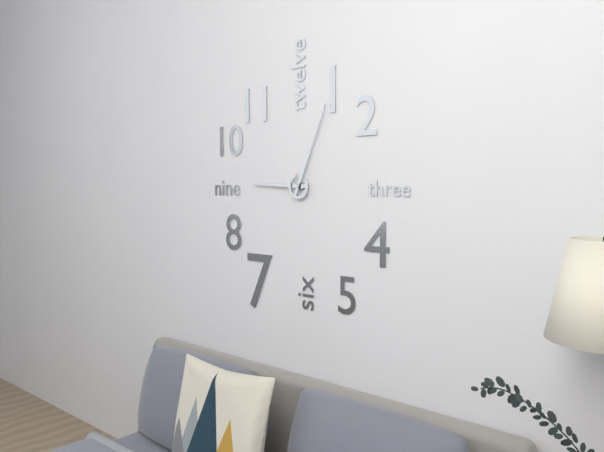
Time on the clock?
9:04
